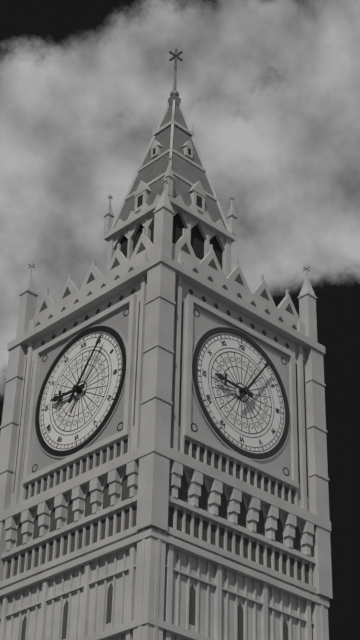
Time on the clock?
9:06
